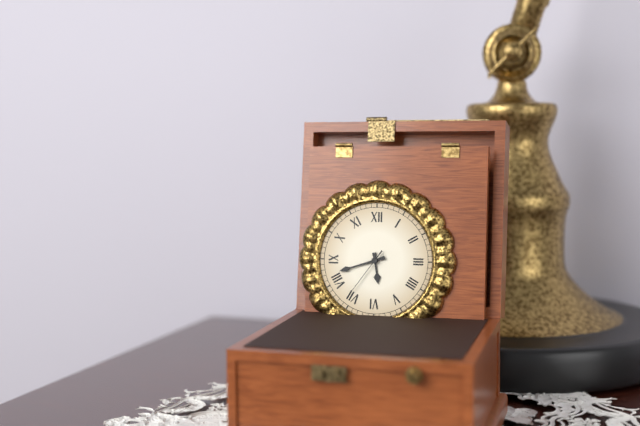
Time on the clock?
5:42:36
